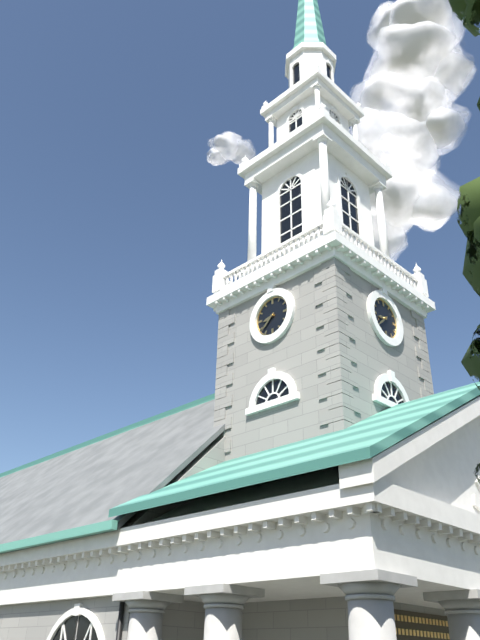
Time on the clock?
8:38
